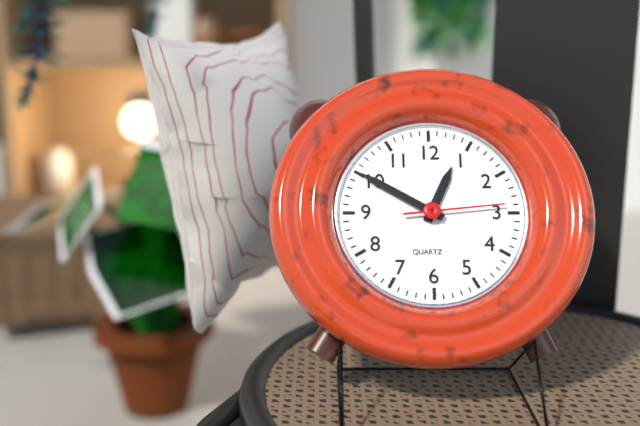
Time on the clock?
12:50:14
